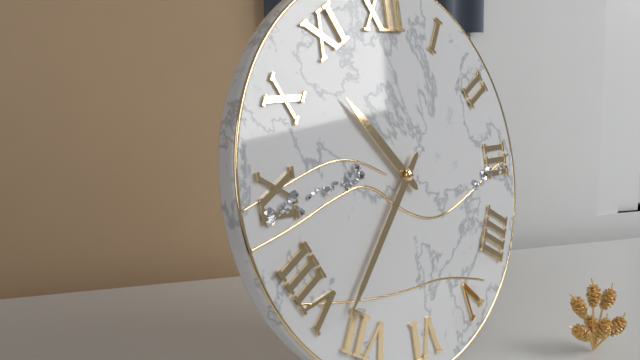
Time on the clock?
10:37
